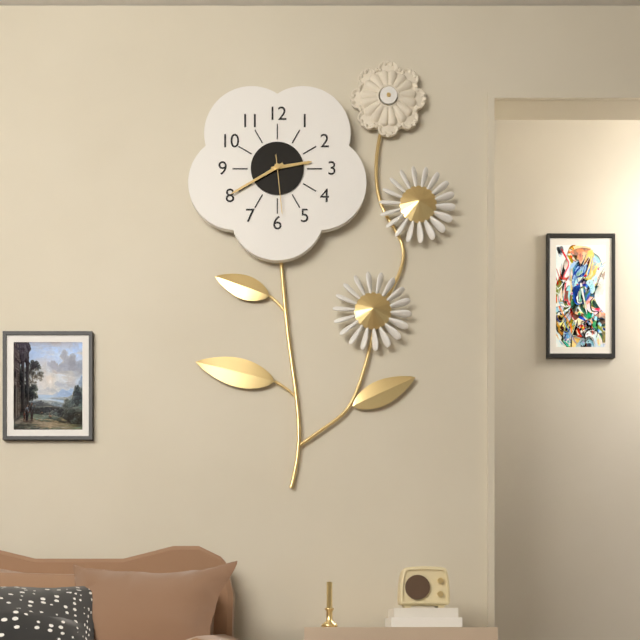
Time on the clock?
2:40:29
